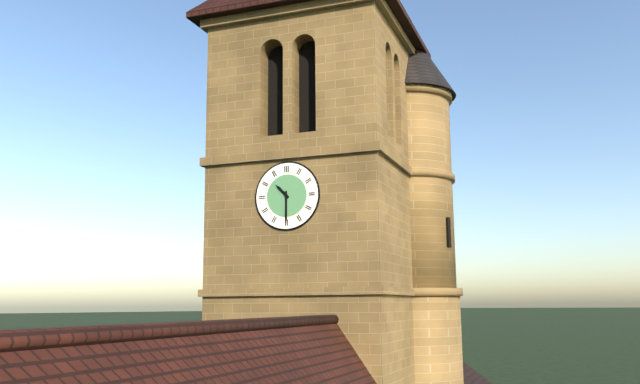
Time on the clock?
10:30
